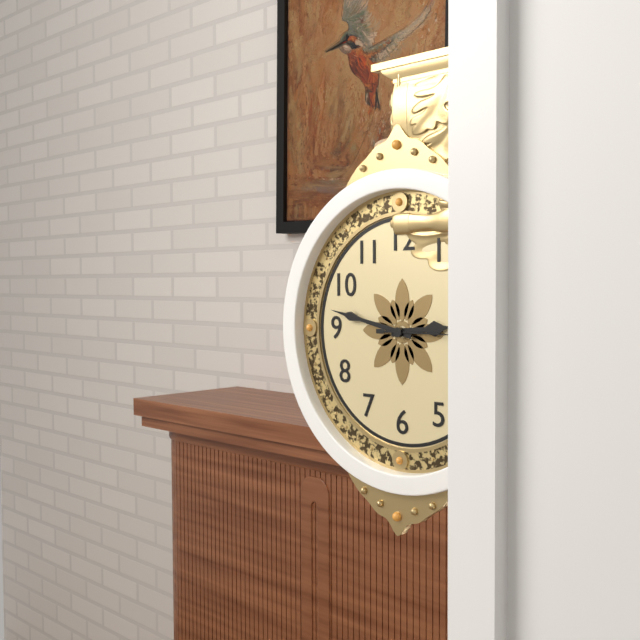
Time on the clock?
2:47
